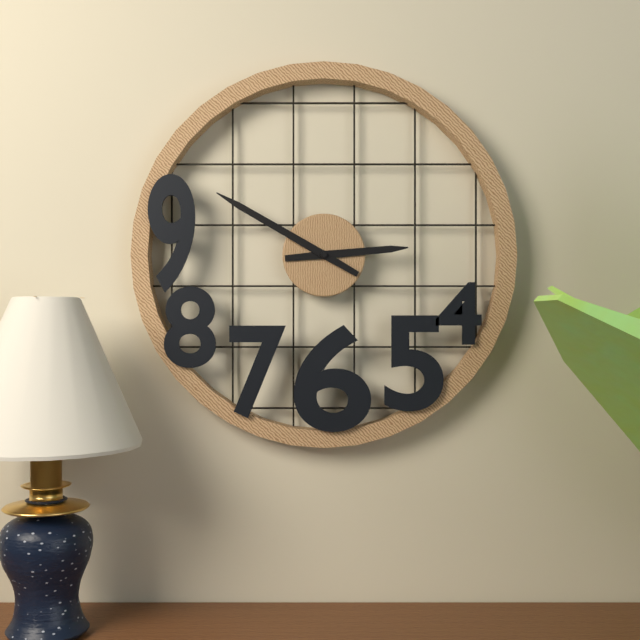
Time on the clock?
2:50
